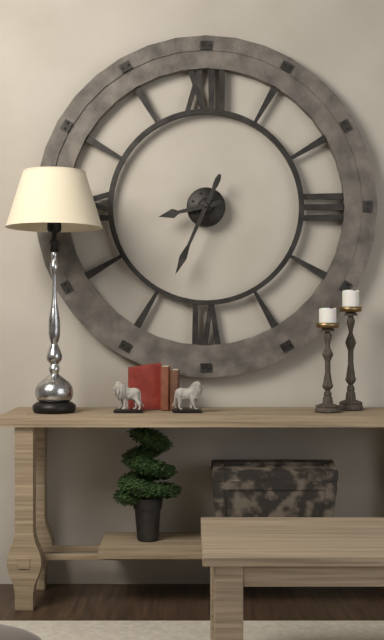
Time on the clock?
8:34
